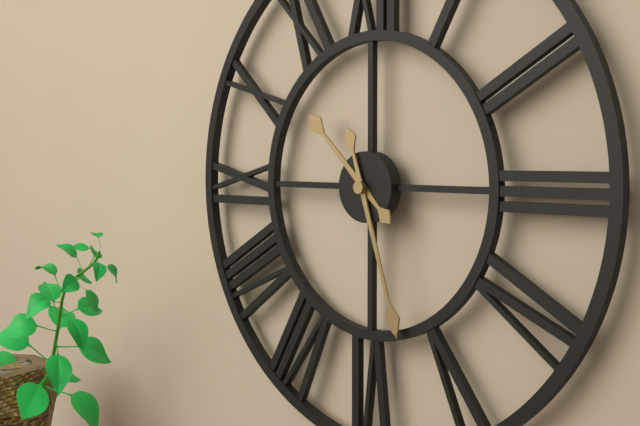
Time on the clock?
10:27
